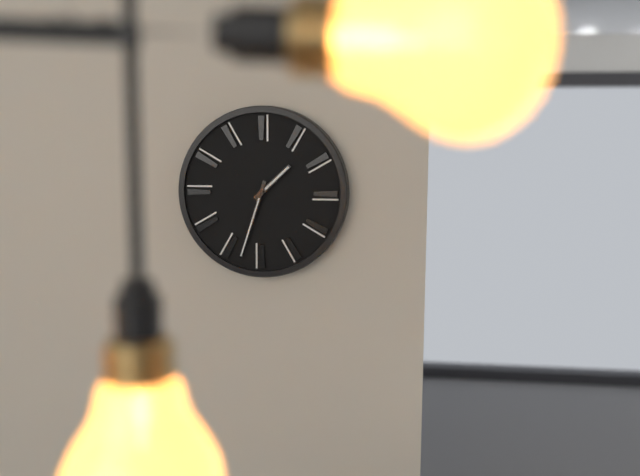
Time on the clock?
1:33
